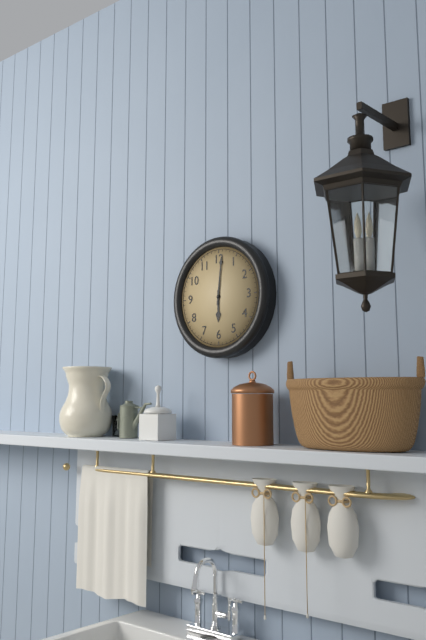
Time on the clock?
6:01
